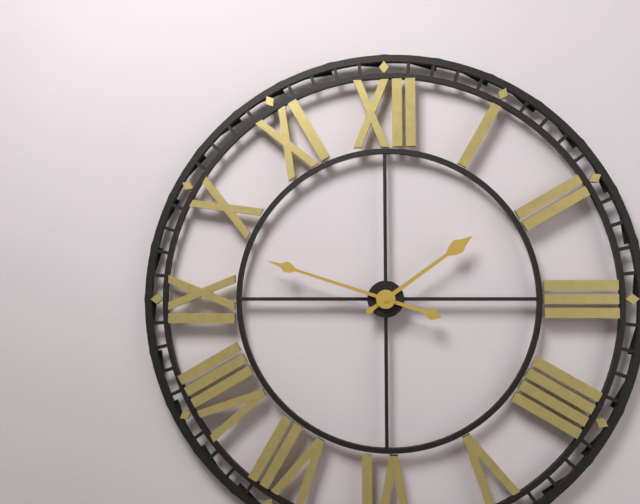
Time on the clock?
1:48
